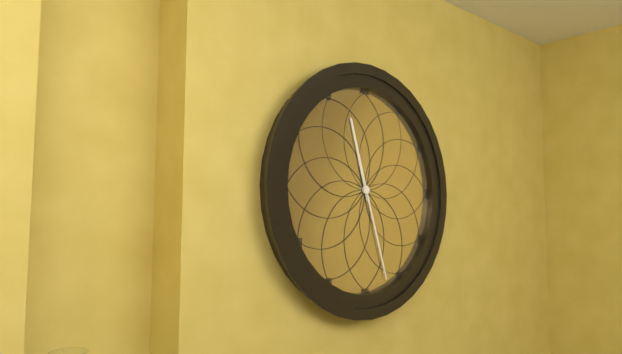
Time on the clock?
11:27
